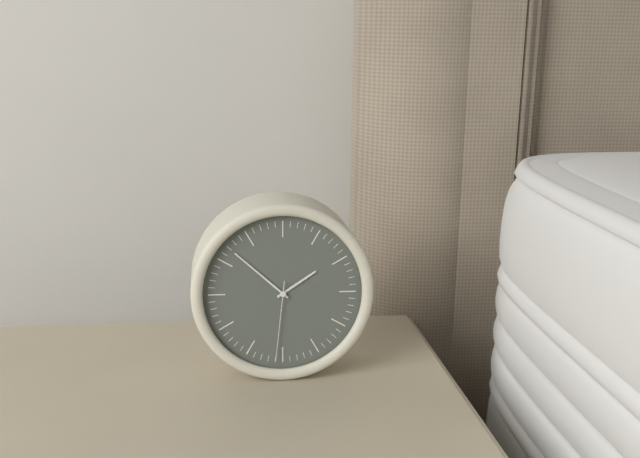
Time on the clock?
1:52:31
